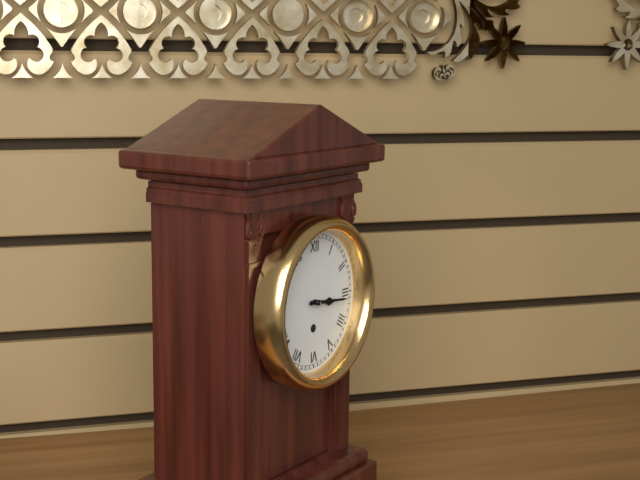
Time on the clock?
3:16
